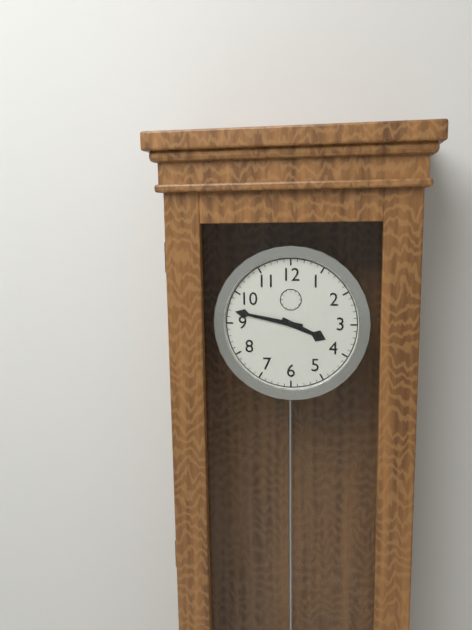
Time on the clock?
3:47
